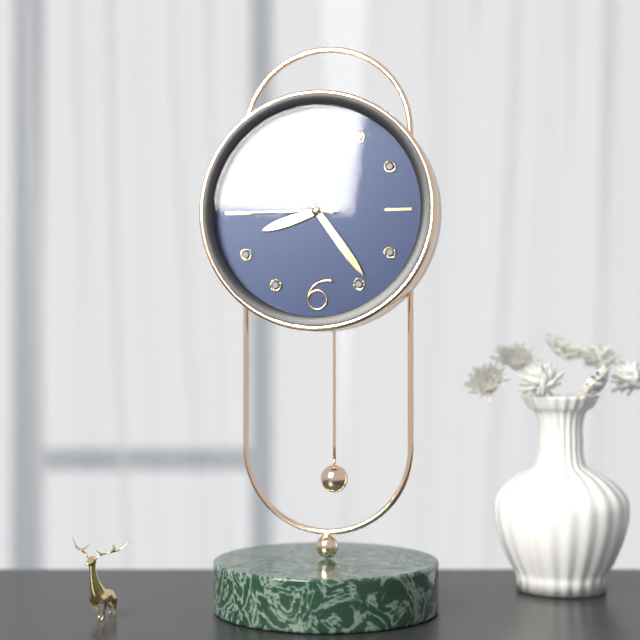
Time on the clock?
8:24:45
